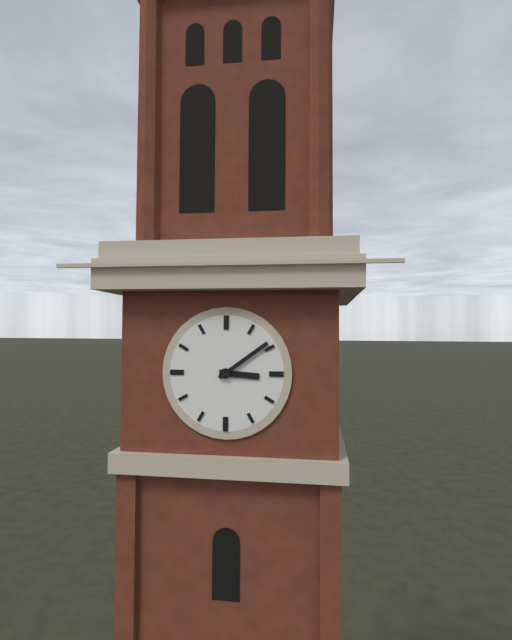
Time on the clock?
3:09
